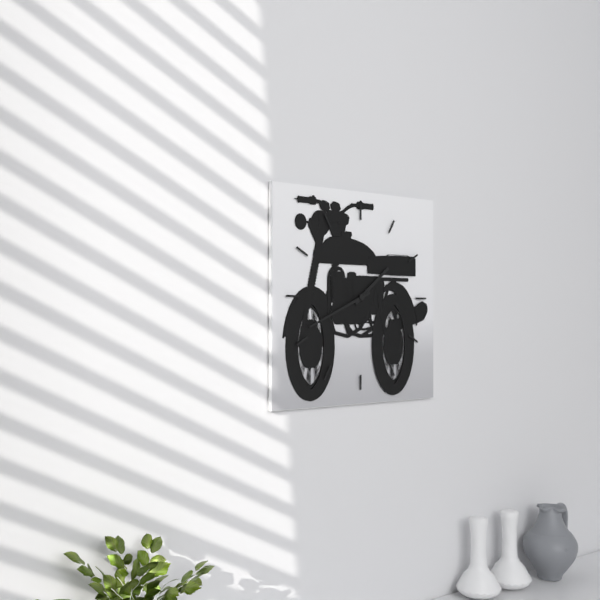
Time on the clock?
1:41
